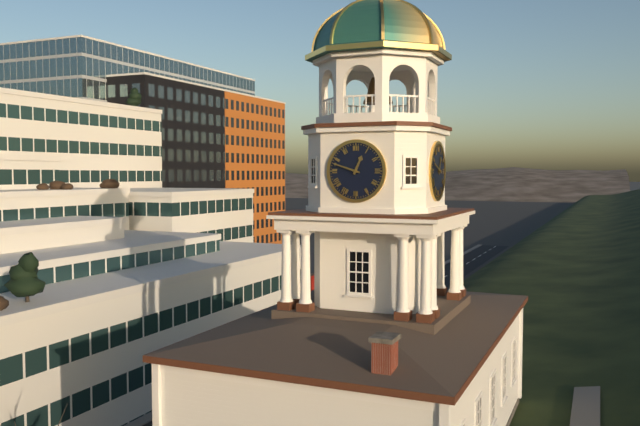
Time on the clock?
12:48
